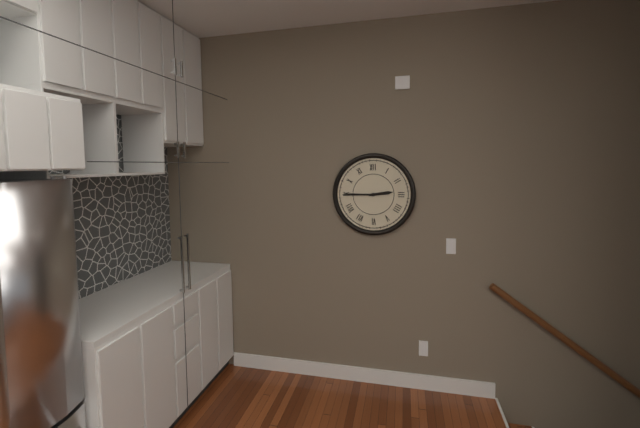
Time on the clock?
2:45
